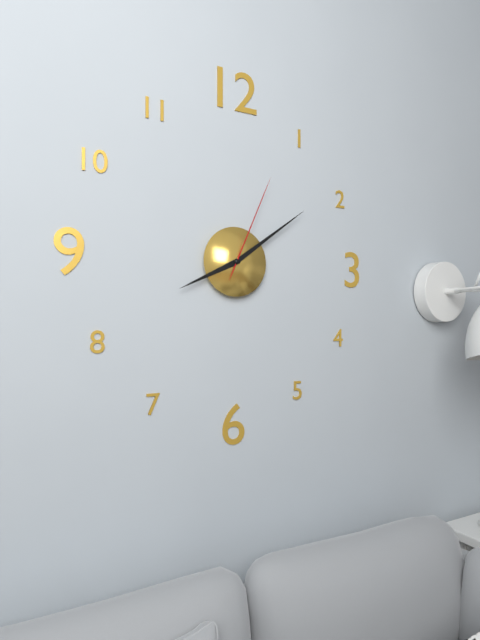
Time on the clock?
8:09:04
